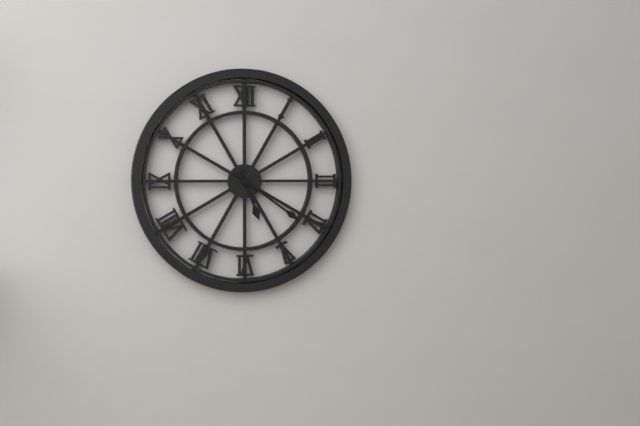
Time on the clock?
5:21
